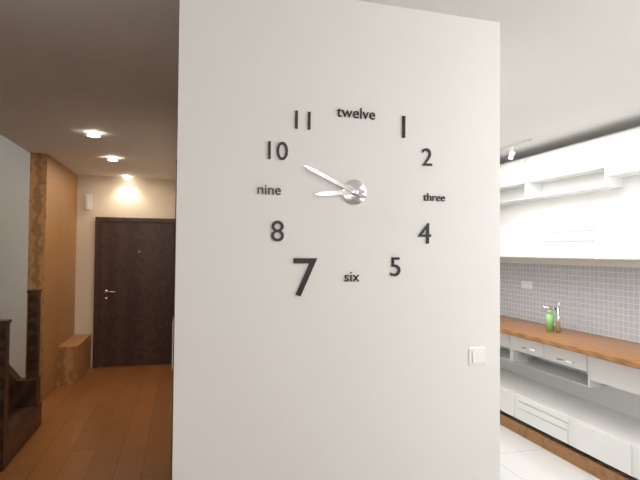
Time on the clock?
8:49
